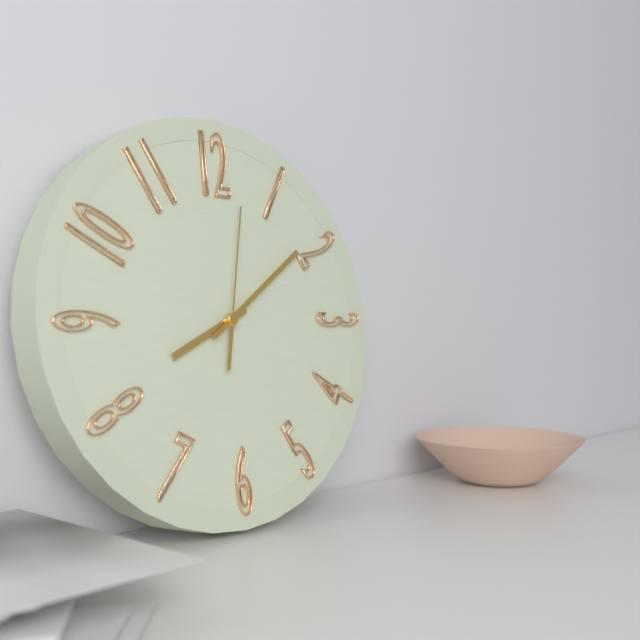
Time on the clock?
8:09:02
